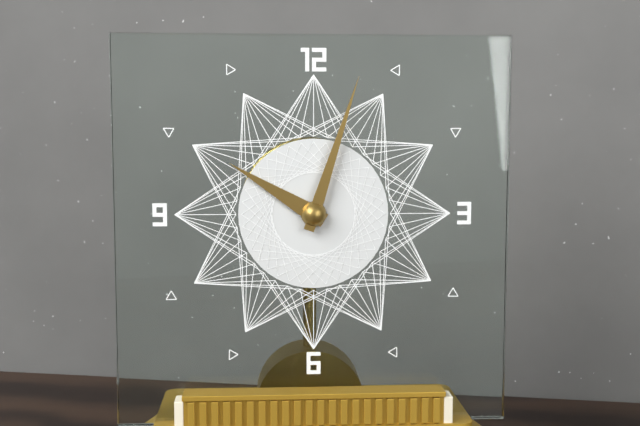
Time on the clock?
10:03
